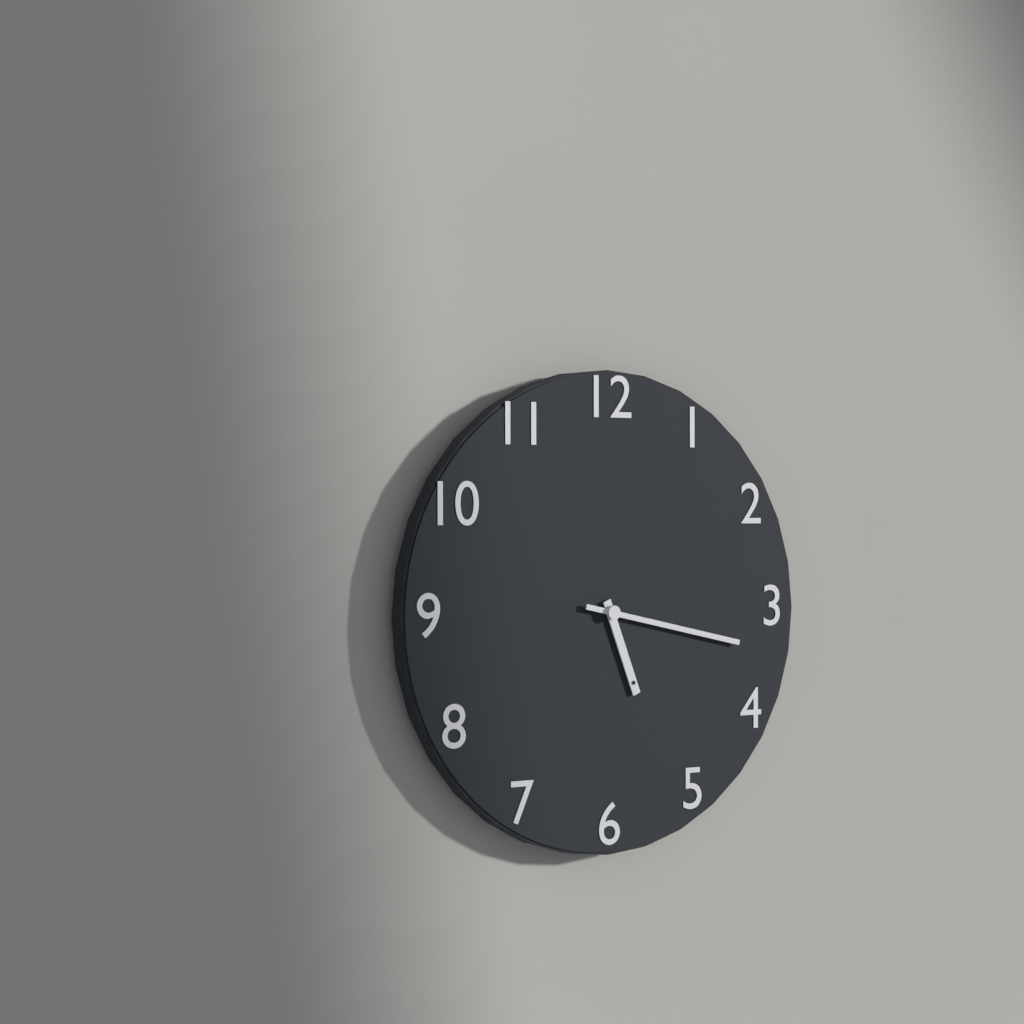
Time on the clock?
5:17
